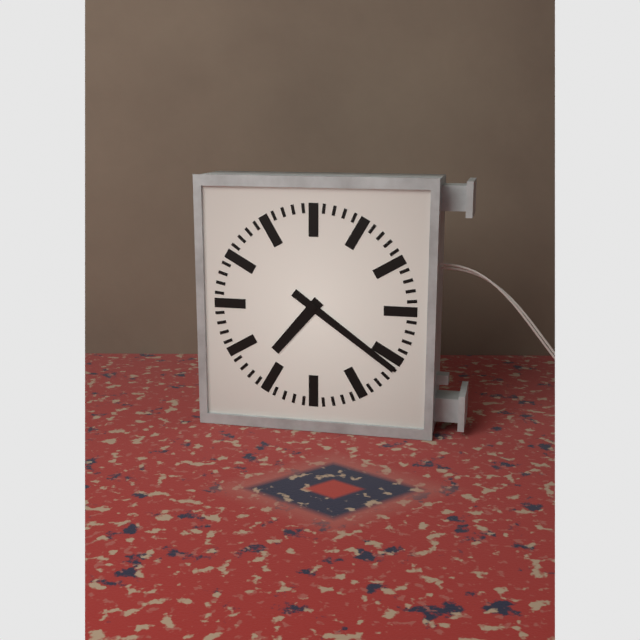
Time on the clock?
7:21
